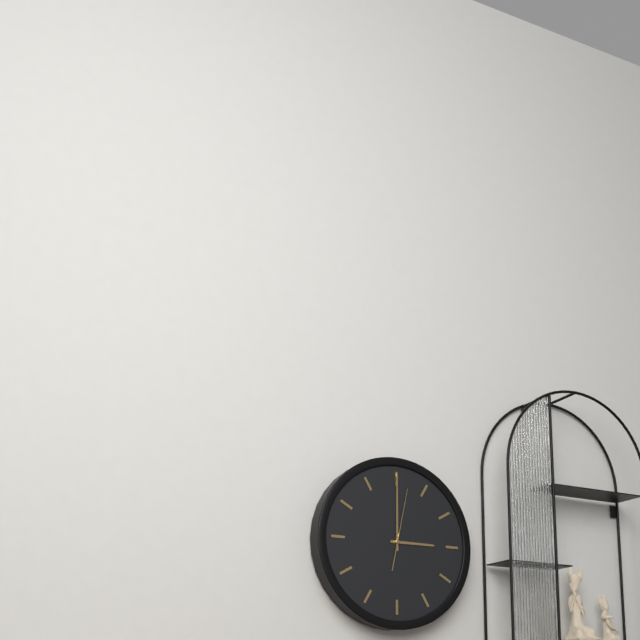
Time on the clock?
3:00:02
